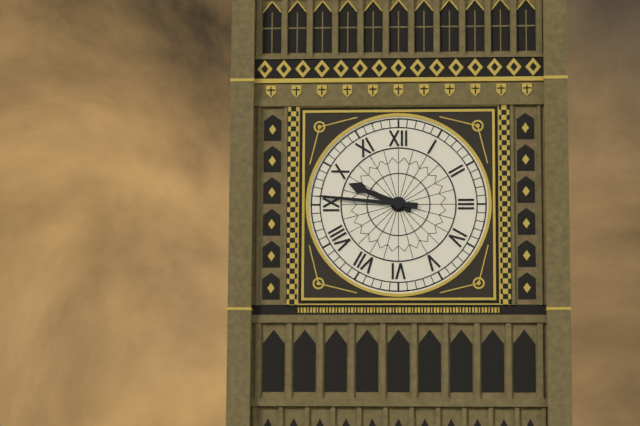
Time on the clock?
9:46
